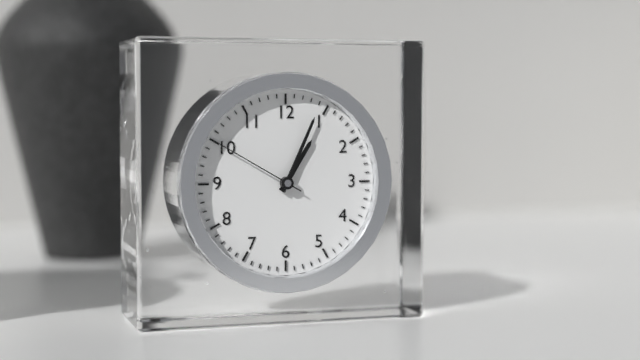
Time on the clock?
1:04:50
